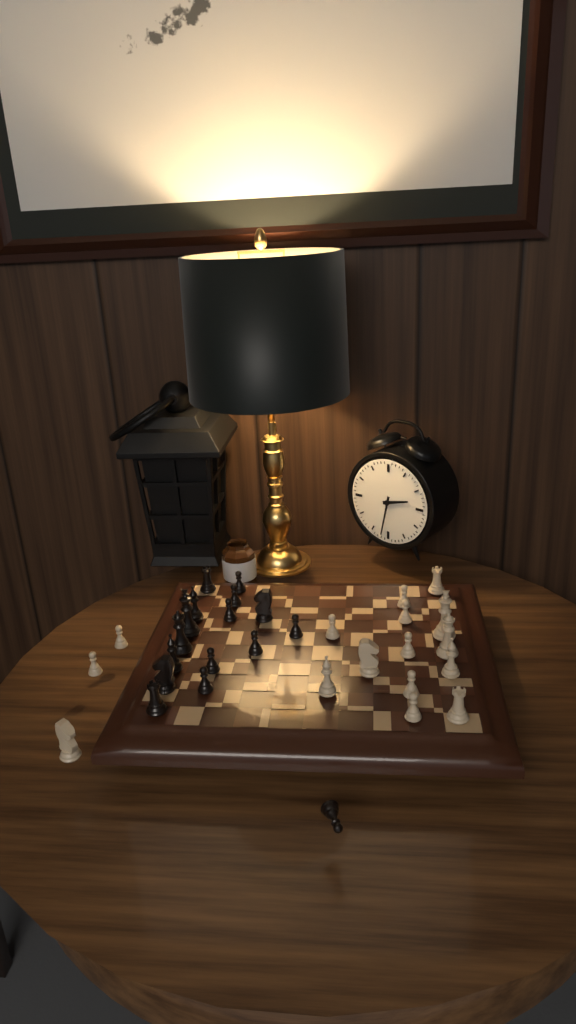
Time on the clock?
2:32
